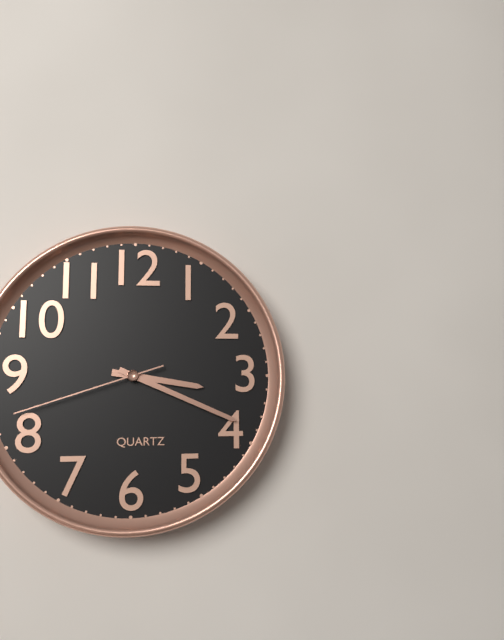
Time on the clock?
3:19:42
